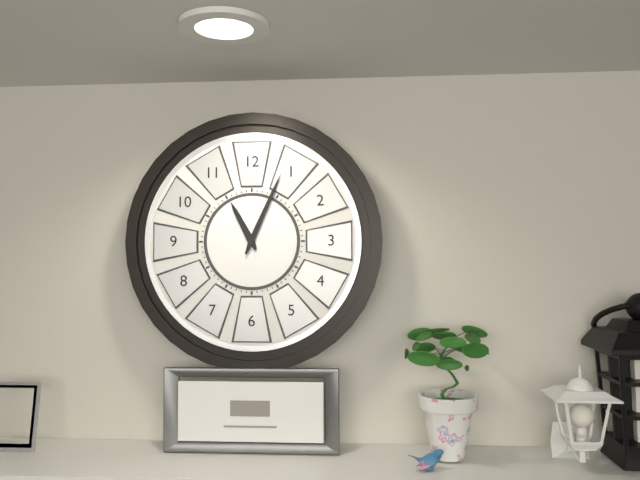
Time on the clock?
11:04
